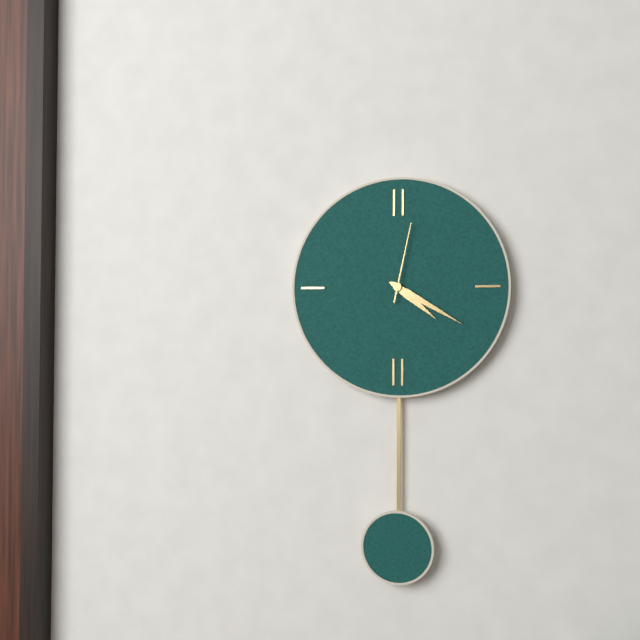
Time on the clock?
4:20:02
